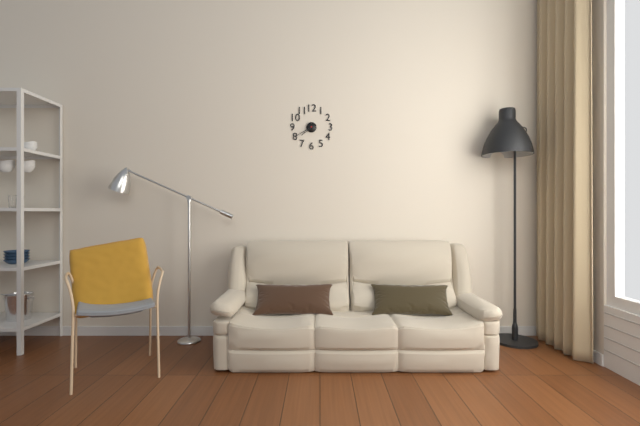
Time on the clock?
7:40
